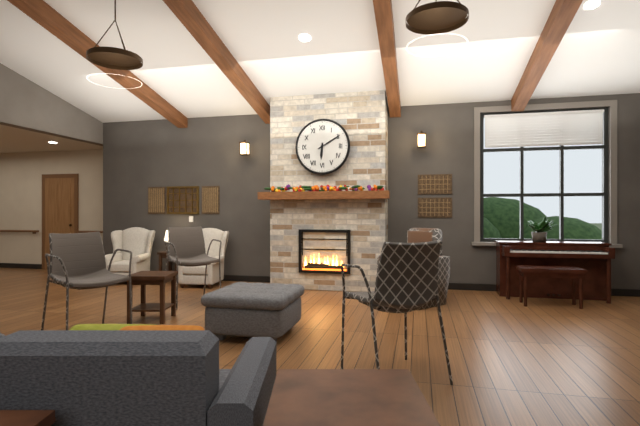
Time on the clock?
6:10
